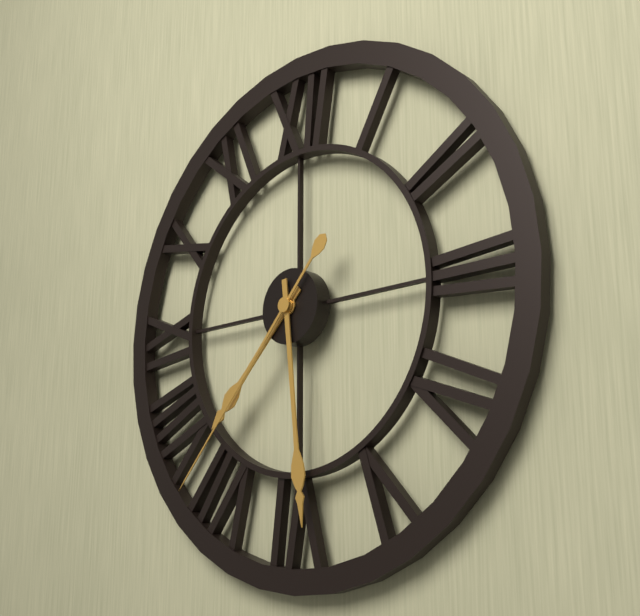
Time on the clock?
7:29:37
